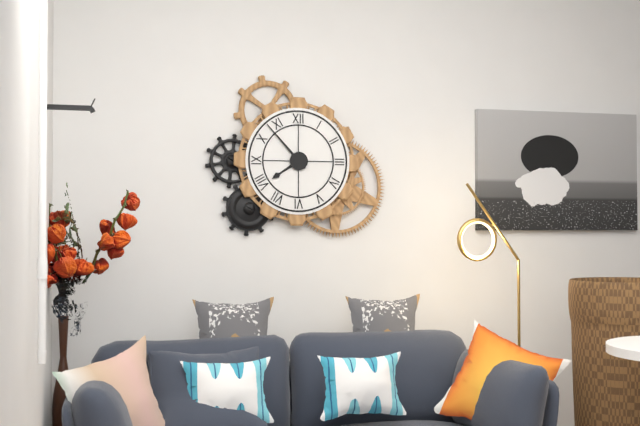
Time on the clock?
7:53
